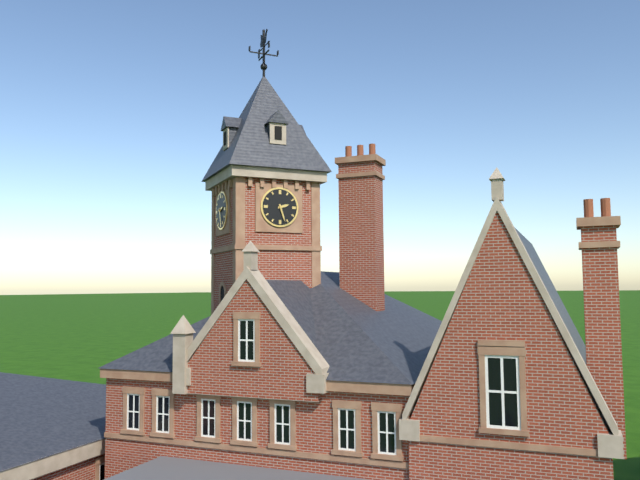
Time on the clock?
2:27
